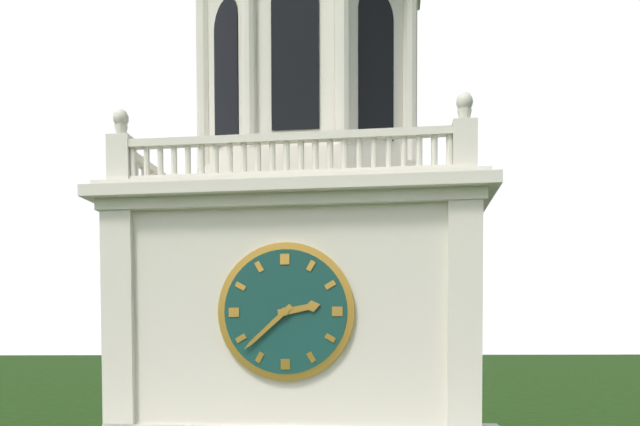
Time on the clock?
2:38
